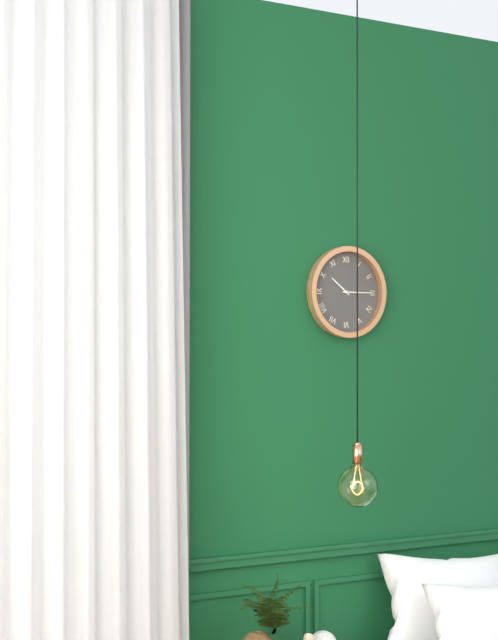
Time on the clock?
10:15
